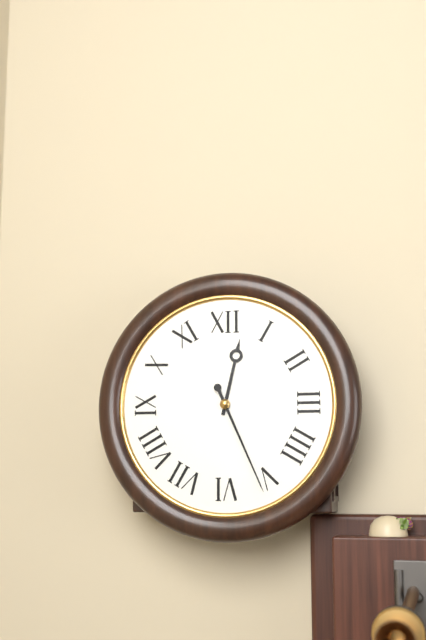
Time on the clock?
12:26
